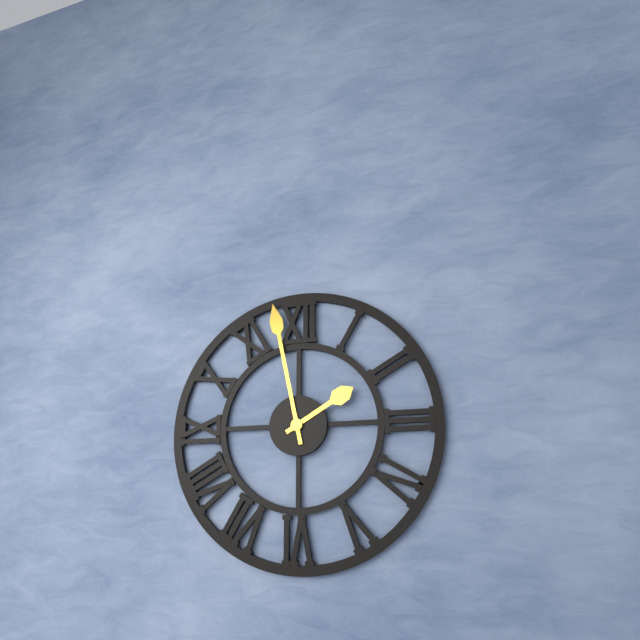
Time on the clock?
1:58
